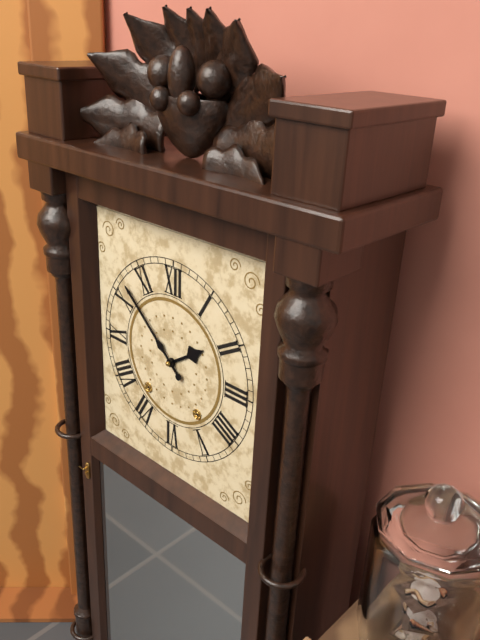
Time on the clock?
1:52
